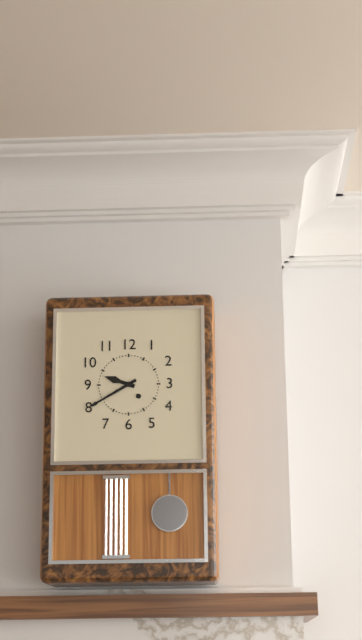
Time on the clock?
9:40
